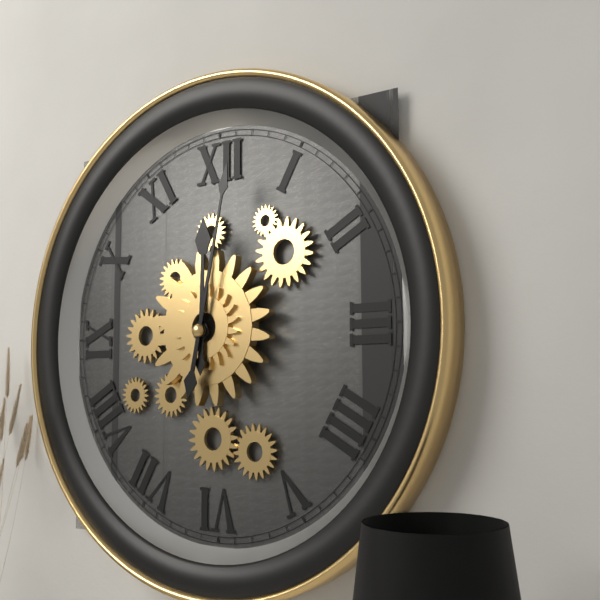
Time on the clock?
12:02
